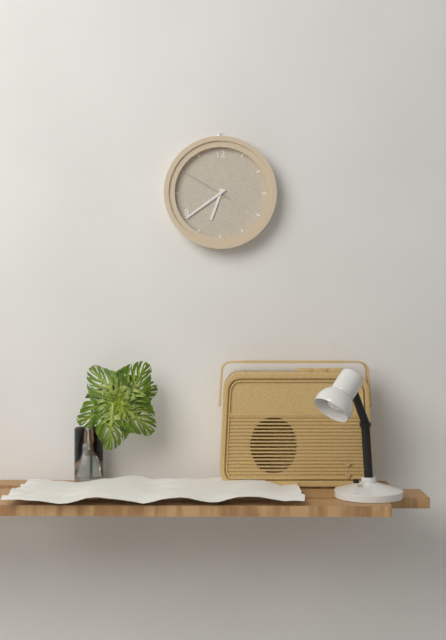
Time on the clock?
6:39:50
